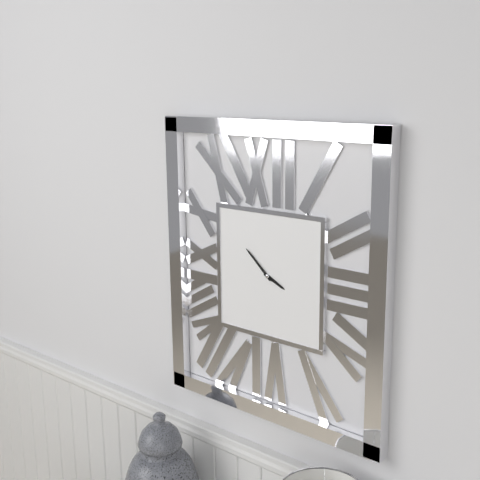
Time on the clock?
3:52
